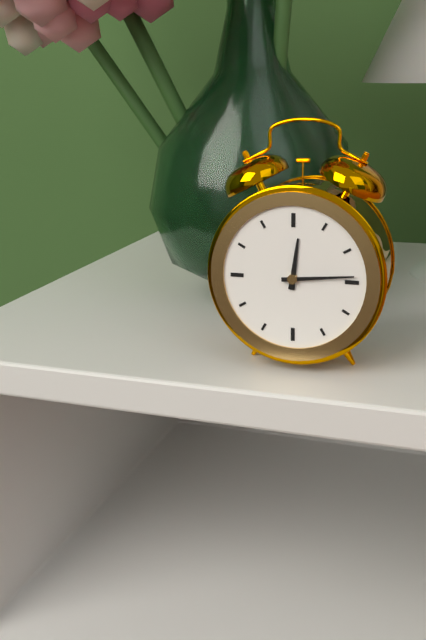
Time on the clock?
12:14
